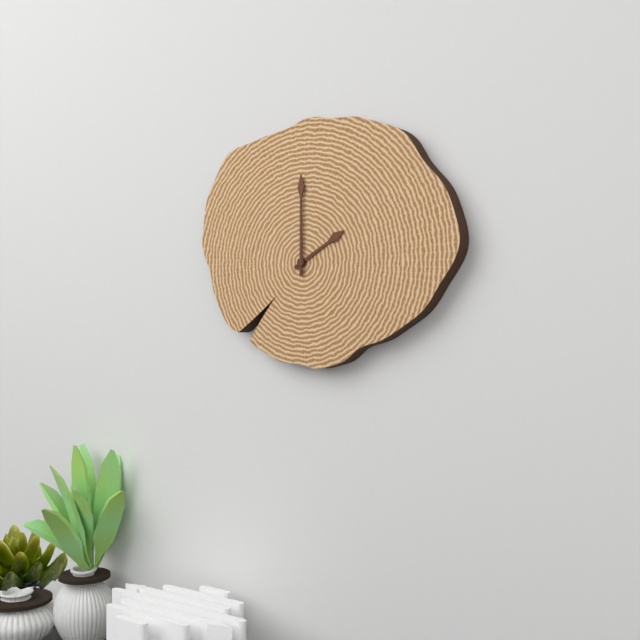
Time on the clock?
2:00
